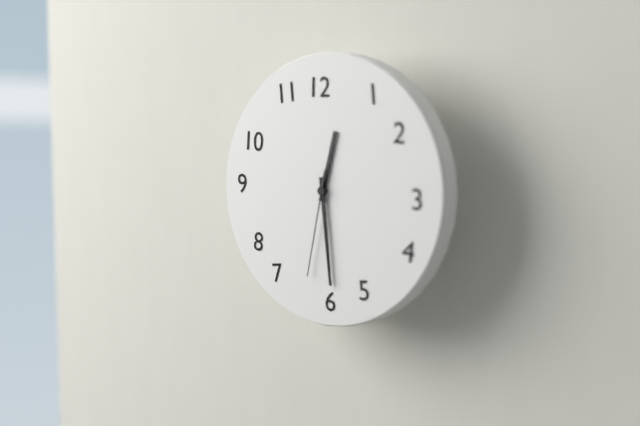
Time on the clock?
12:29:32
